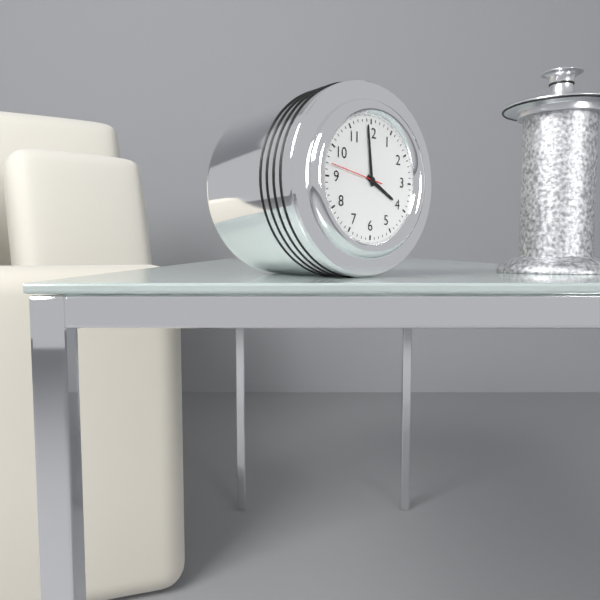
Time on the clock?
3:59:47
